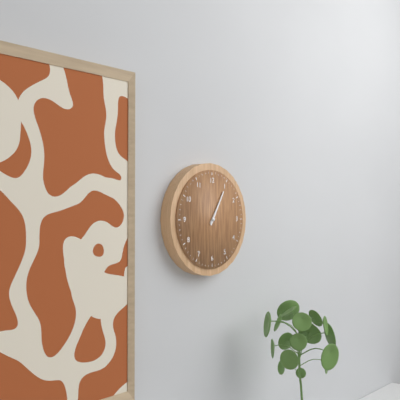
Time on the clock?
1:05
